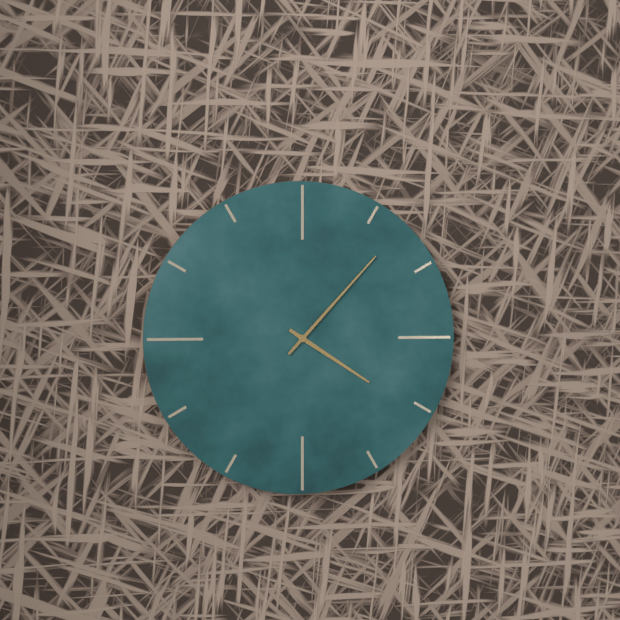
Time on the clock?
4:07
